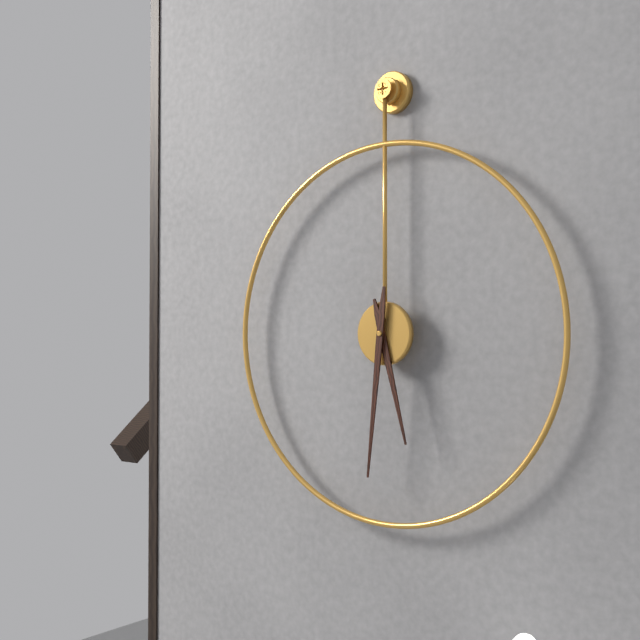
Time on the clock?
5:31
